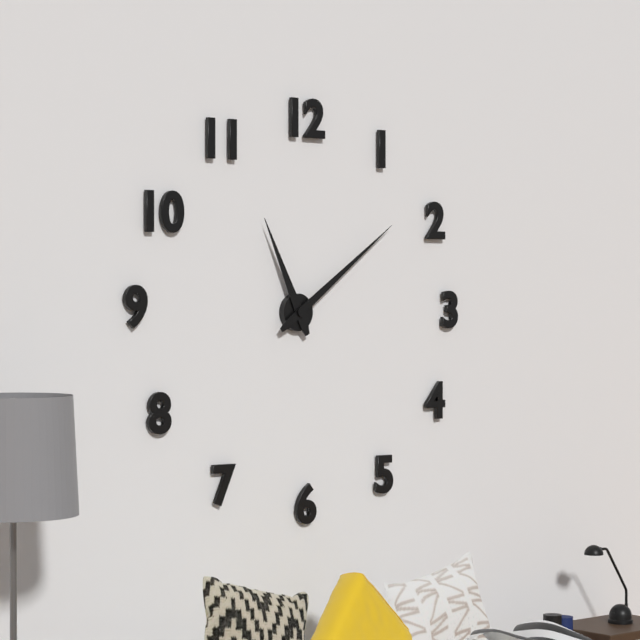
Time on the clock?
11:09
